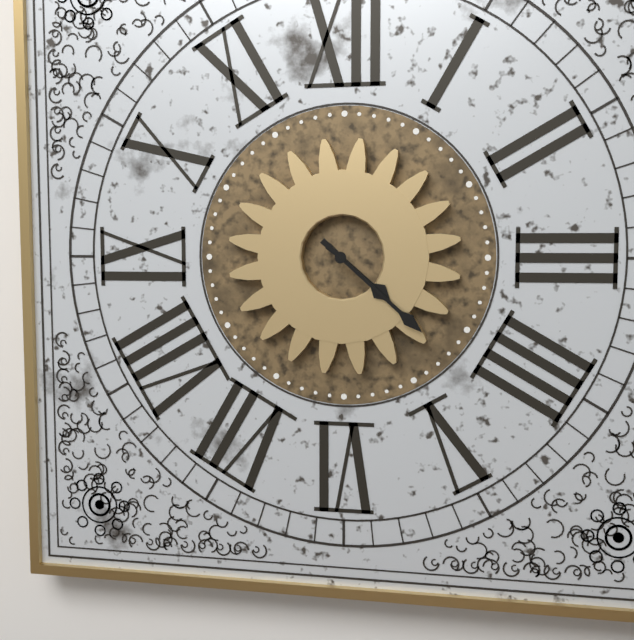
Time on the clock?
4:22
